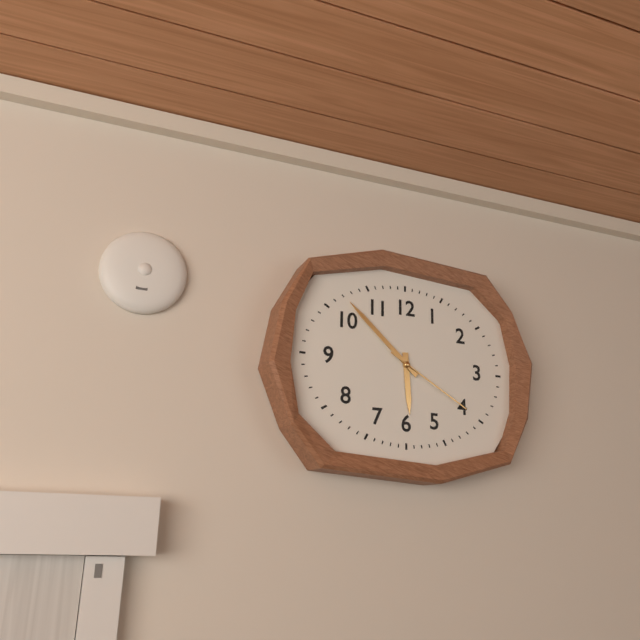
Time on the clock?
5:52:20
